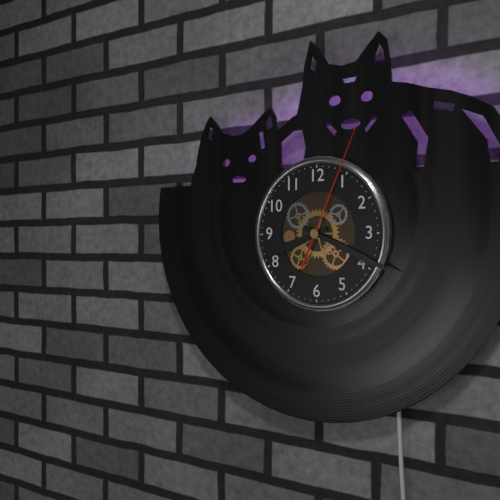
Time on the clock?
8:19:04
